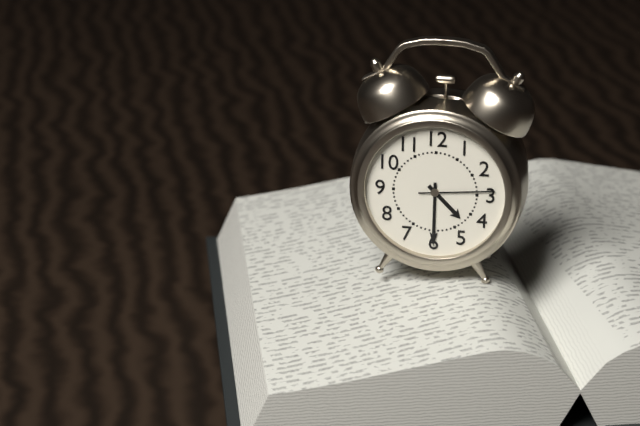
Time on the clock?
4:30:14
